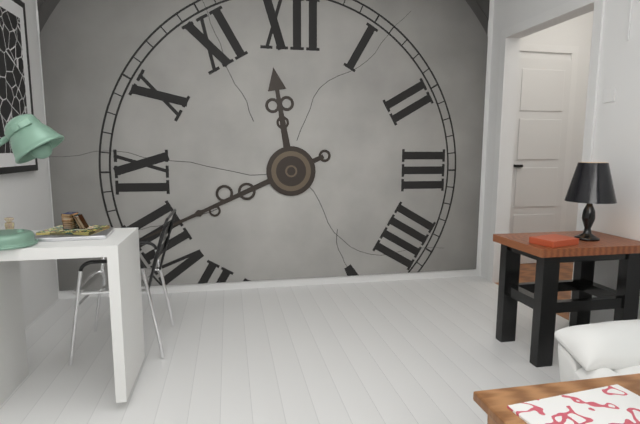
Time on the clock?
11:41
